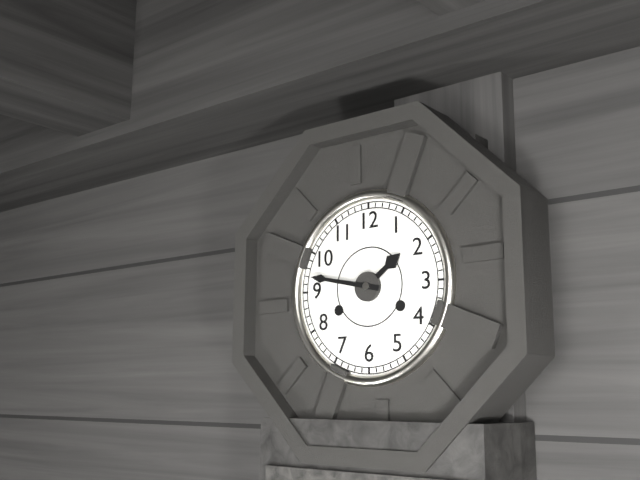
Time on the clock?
1:47
